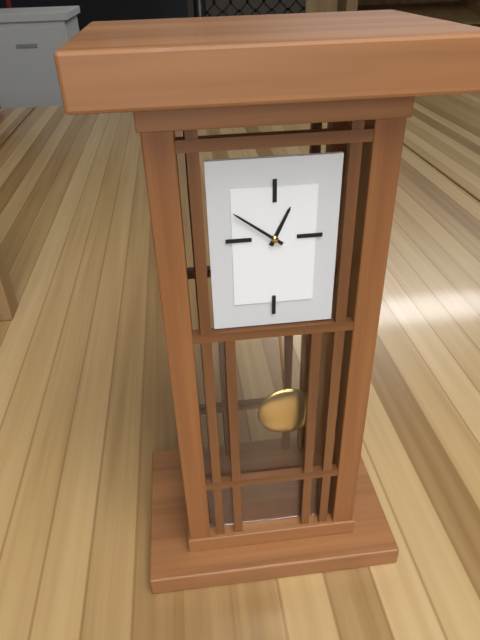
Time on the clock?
12:51
